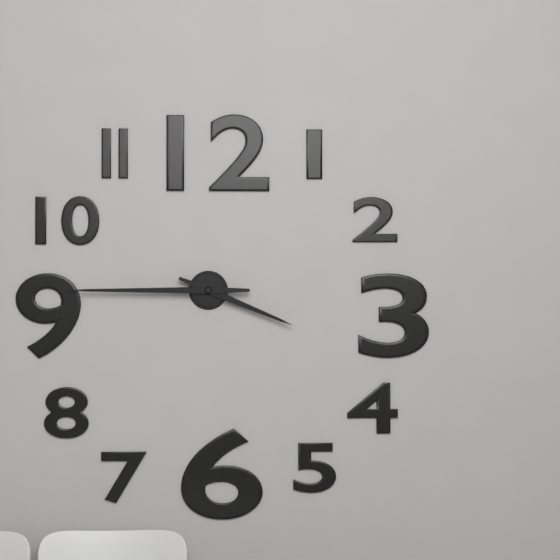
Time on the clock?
3:45
